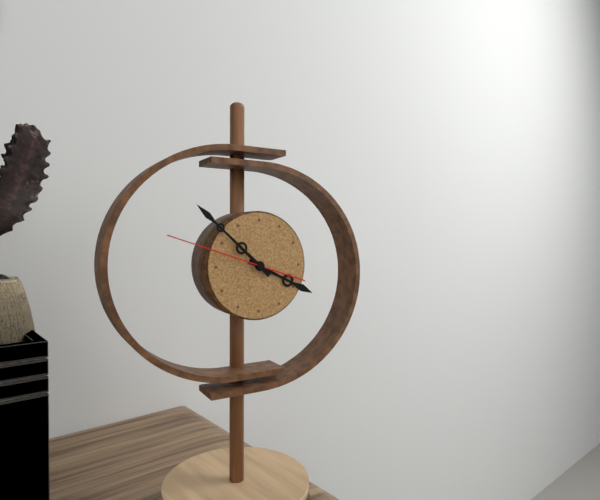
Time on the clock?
3:52:48
